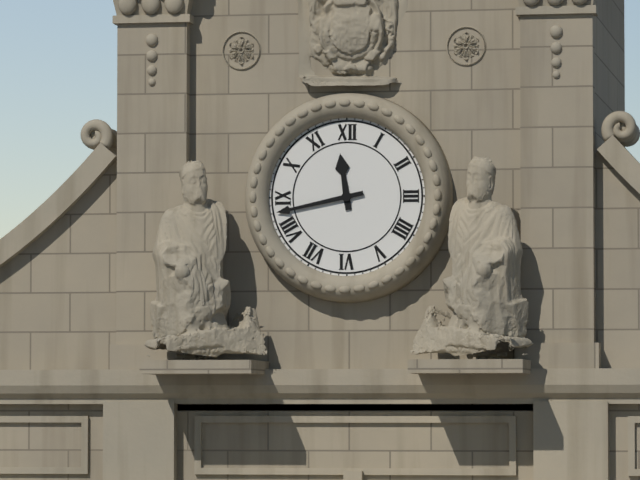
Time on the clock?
11:43
